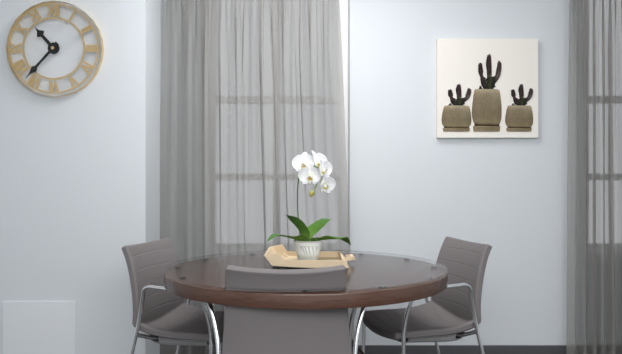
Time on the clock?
10:37
